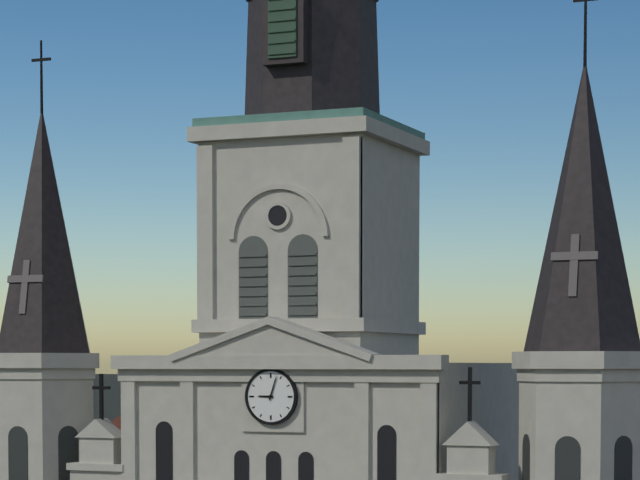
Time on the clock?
9:03
